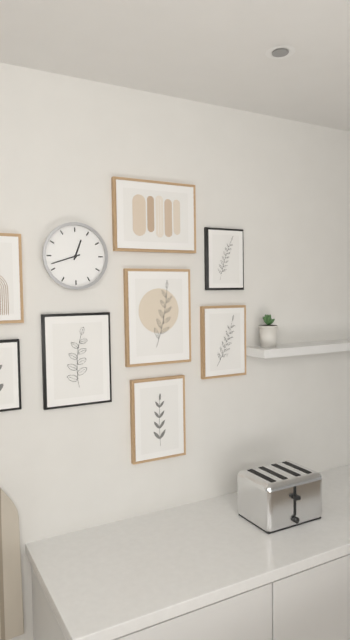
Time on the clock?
12:42
